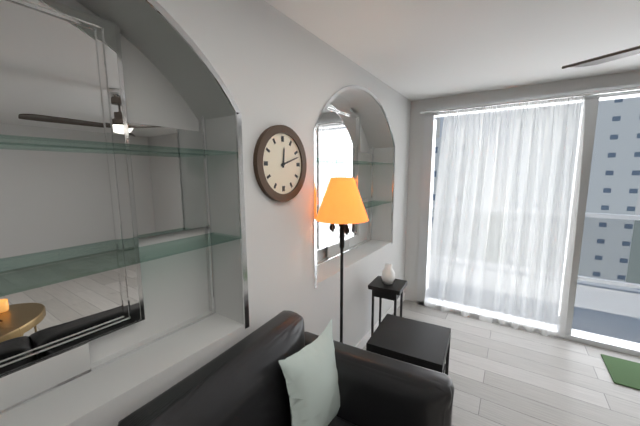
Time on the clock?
12:12
